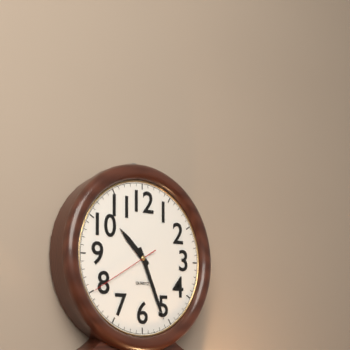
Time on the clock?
10:26:40
